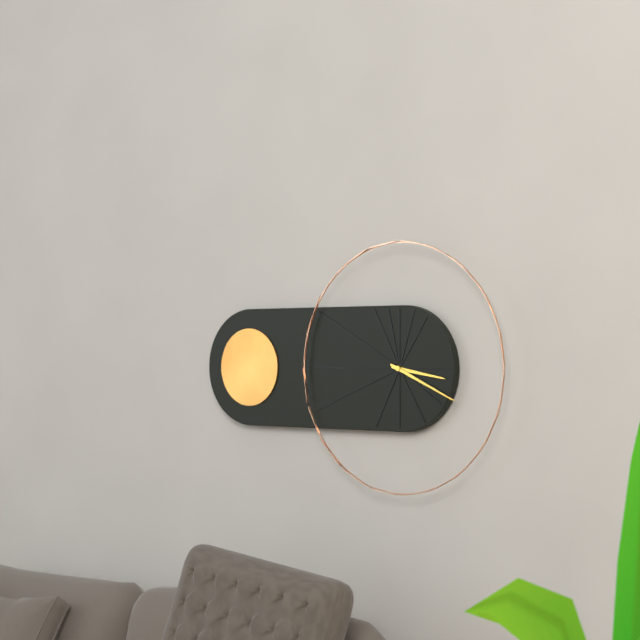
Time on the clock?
3:19
